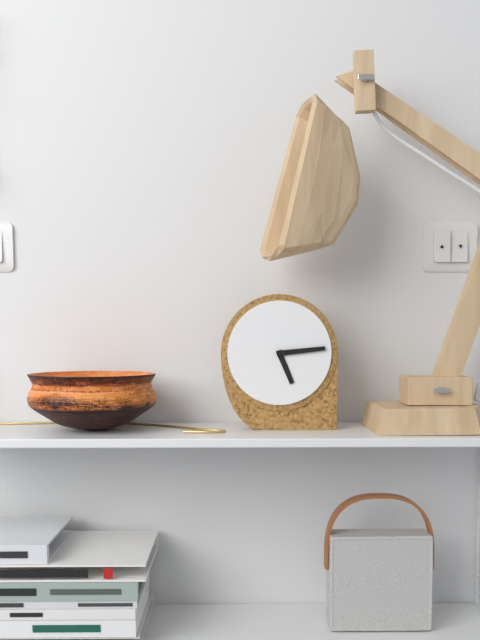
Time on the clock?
5:14
